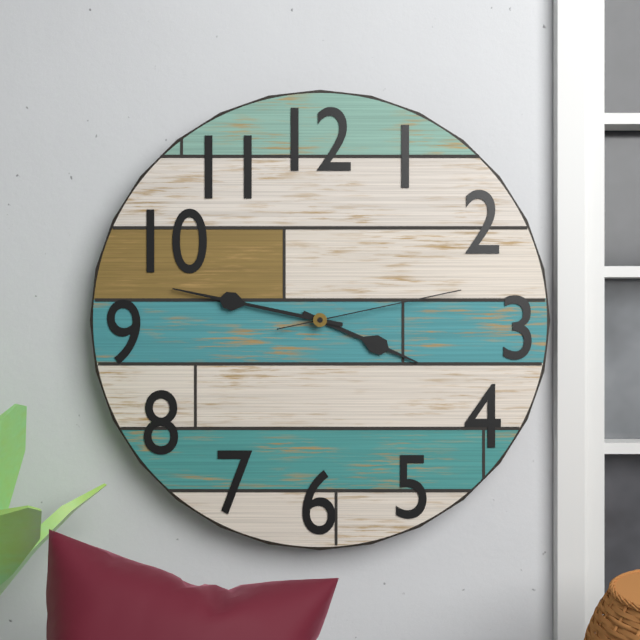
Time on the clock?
3:47:13
